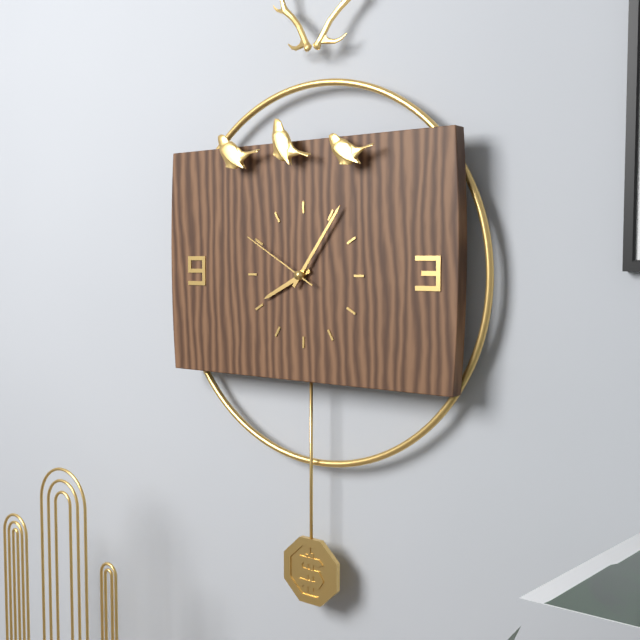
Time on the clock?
8:06:50
